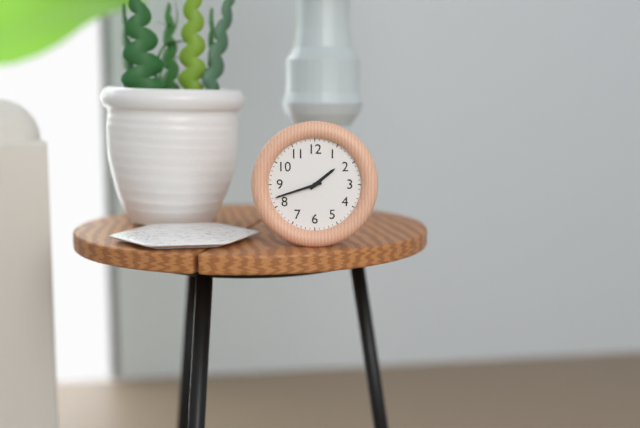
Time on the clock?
1:42
